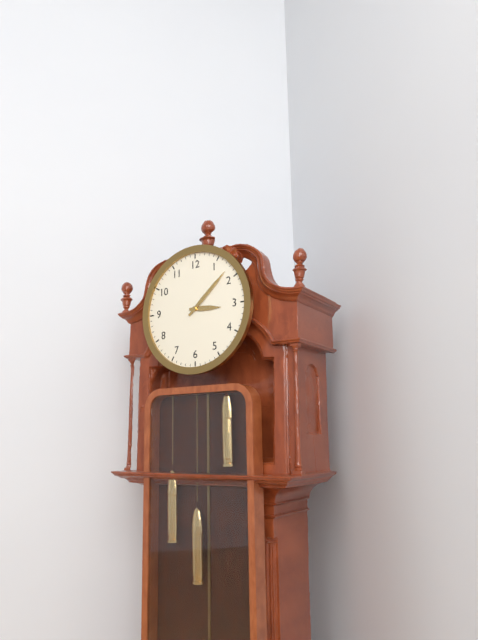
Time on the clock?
3:08
